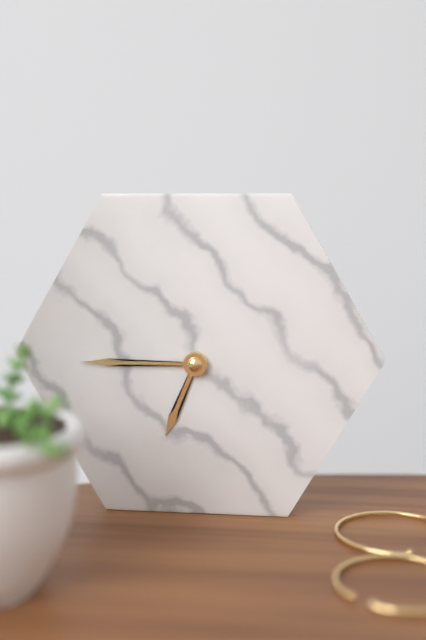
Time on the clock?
6:45
